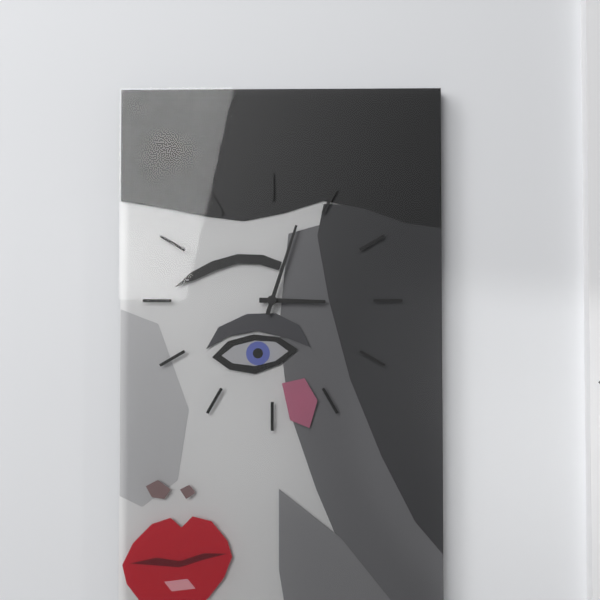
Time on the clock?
3:03
